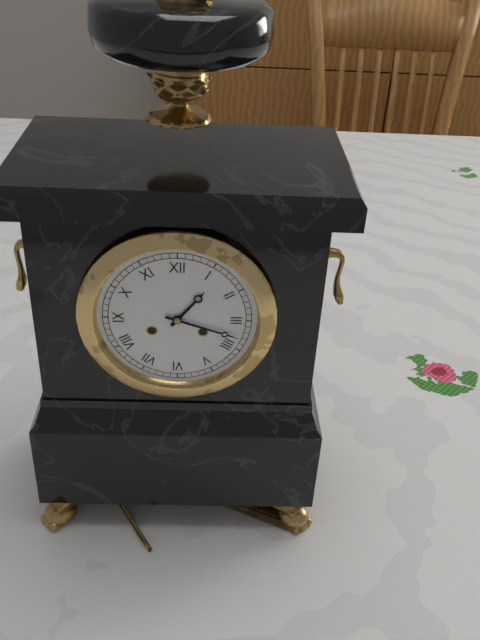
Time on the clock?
1:18
